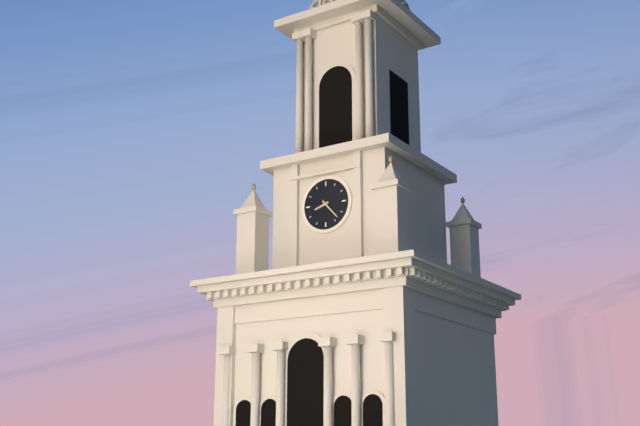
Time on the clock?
8:23
